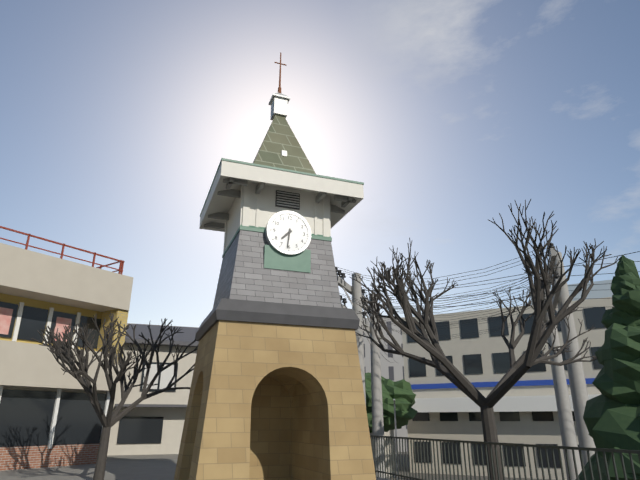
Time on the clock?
7:31
